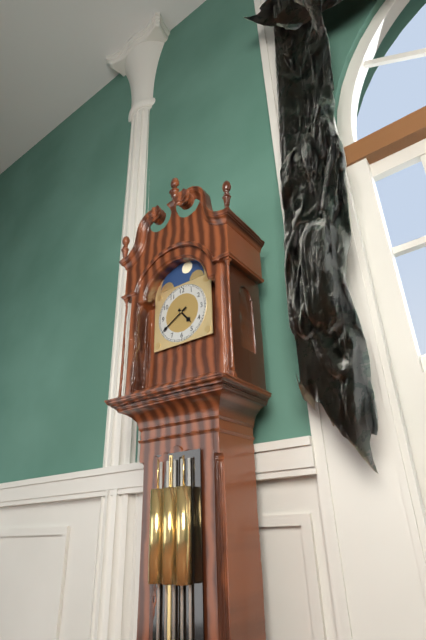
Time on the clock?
4:40
